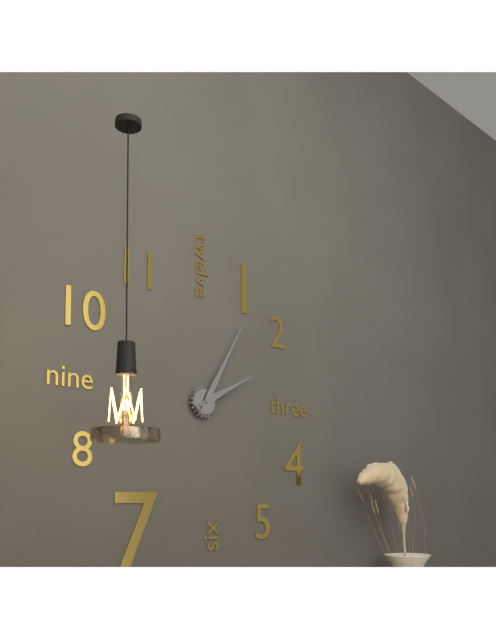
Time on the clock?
2:05
